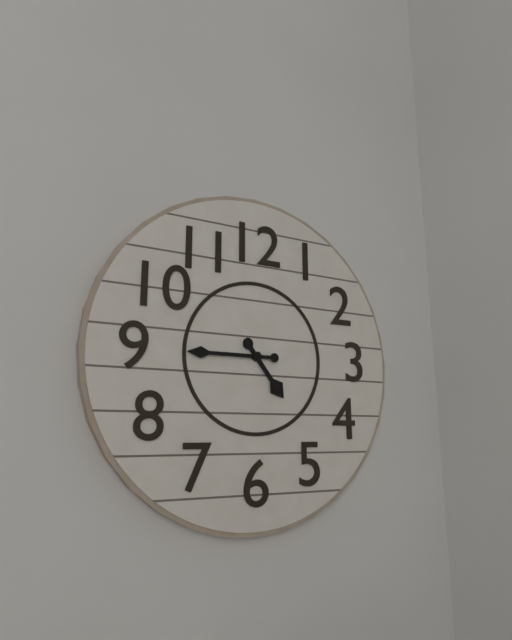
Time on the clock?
4:45
